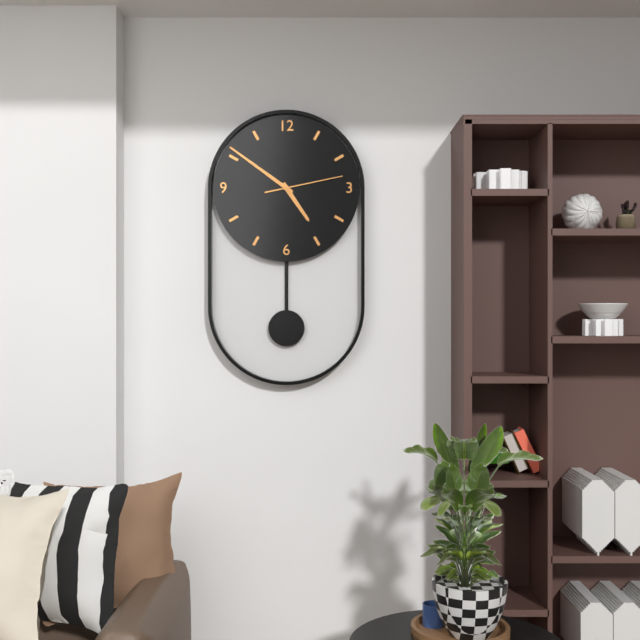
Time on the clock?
4:51:13
